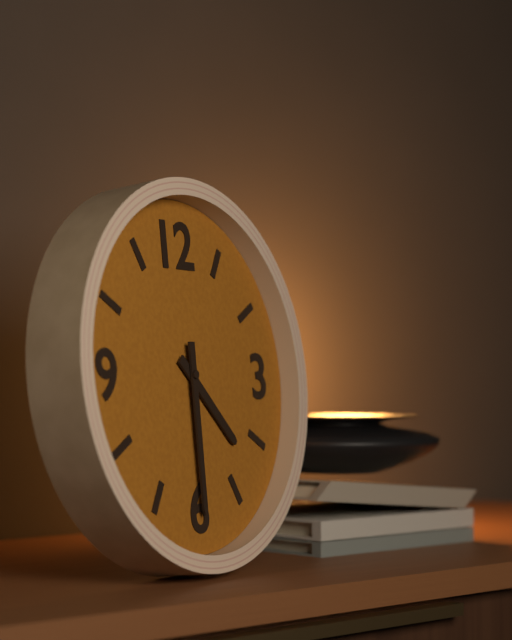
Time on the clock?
4:30
